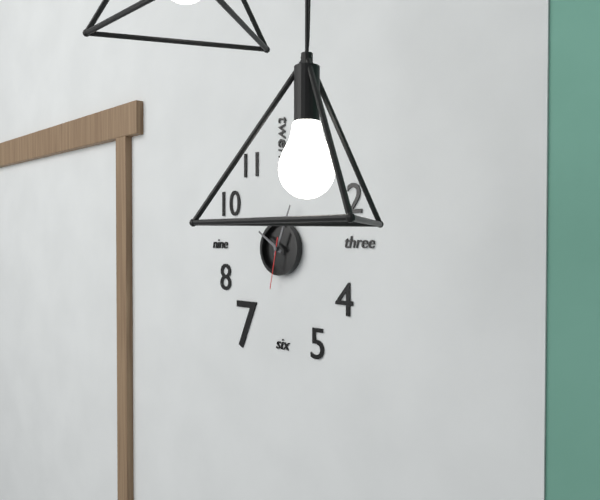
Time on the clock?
10:04:32
